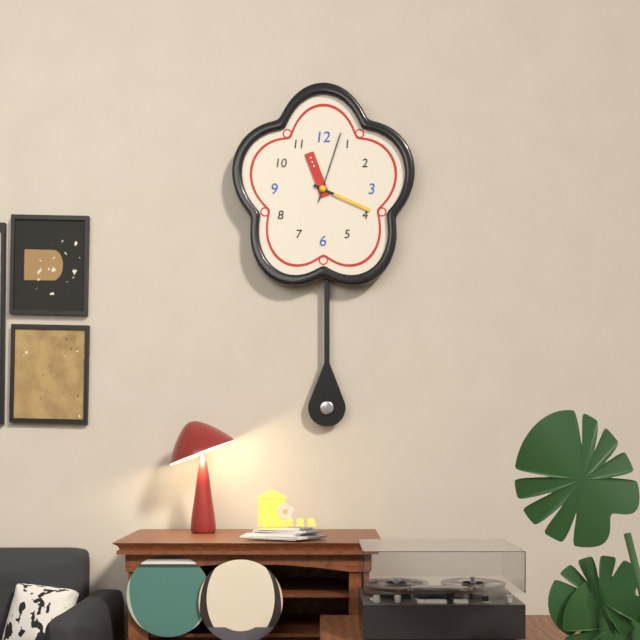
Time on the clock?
11:19:03
